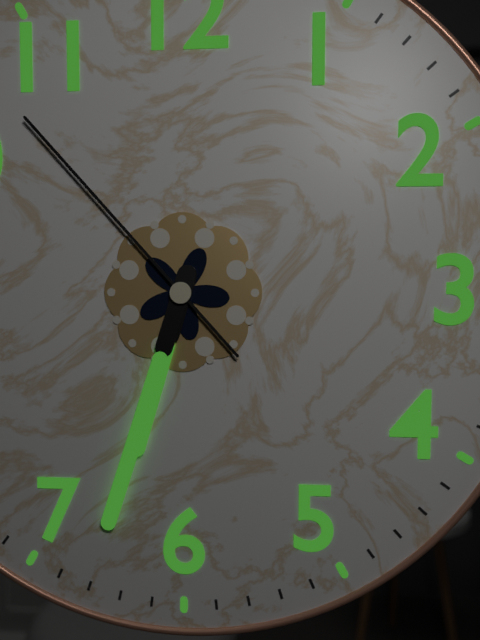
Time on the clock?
6:33:53
